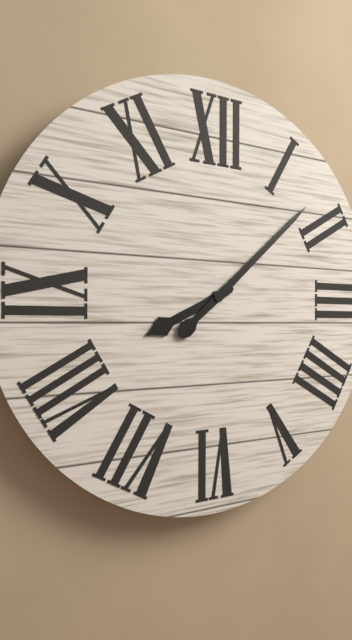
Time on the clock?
8:08
